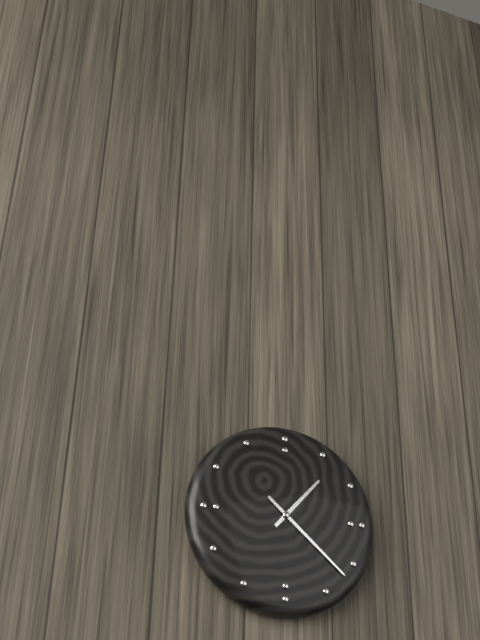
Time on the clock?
1:22
